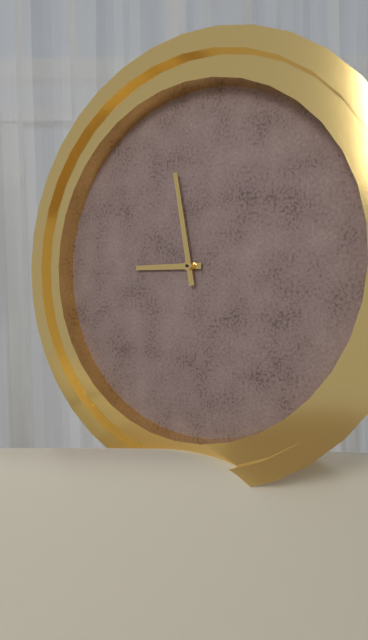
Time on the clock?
8:58
